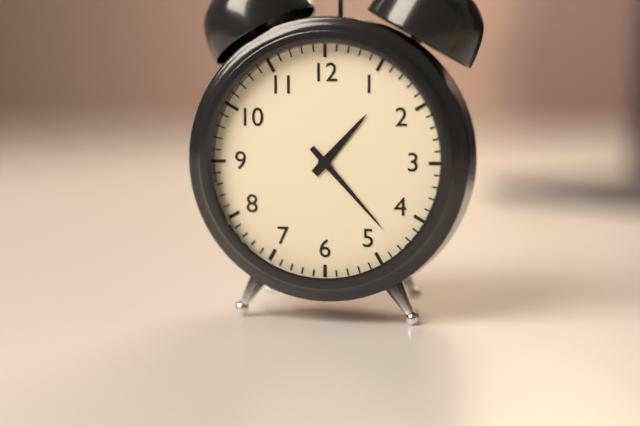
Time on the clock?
1:23
